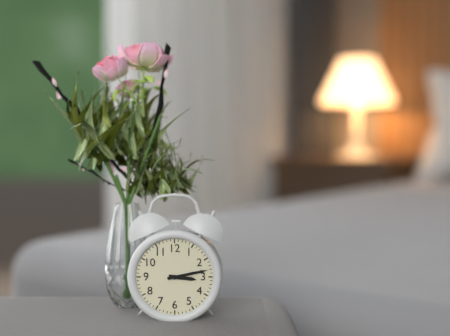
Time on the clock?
3:13
